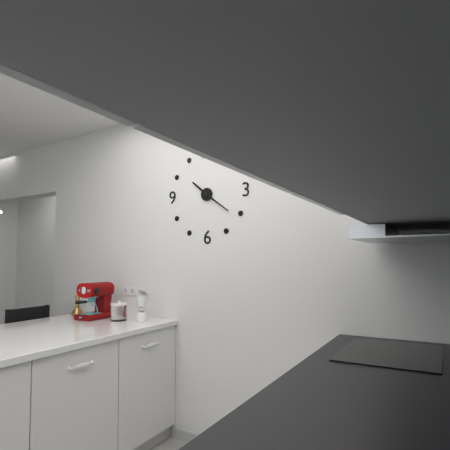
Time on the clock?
10:21
